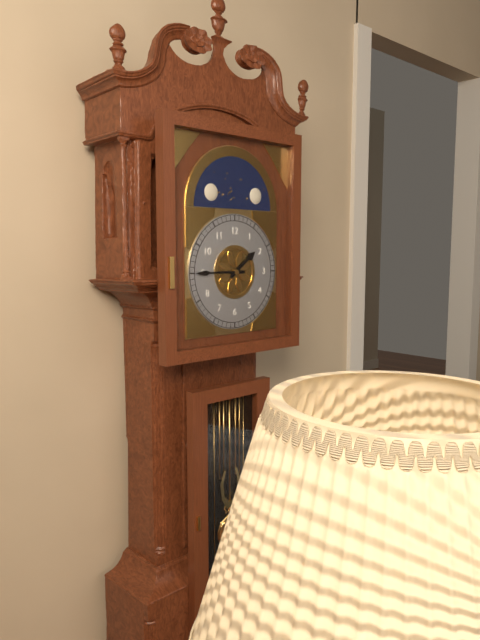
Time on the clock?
1:45
